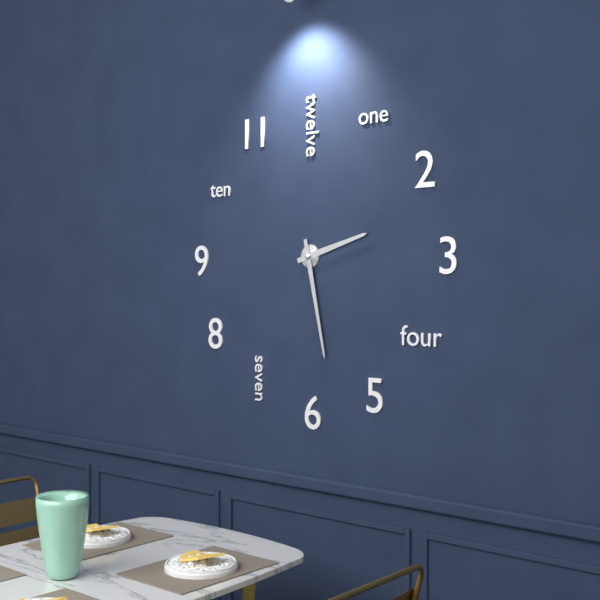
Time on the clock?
2:28
